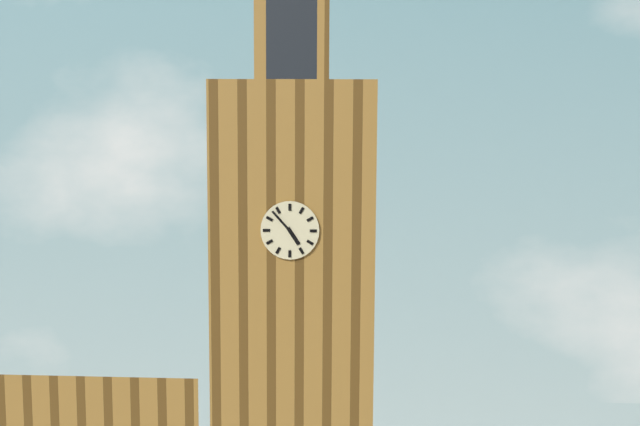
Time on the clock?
4:53
